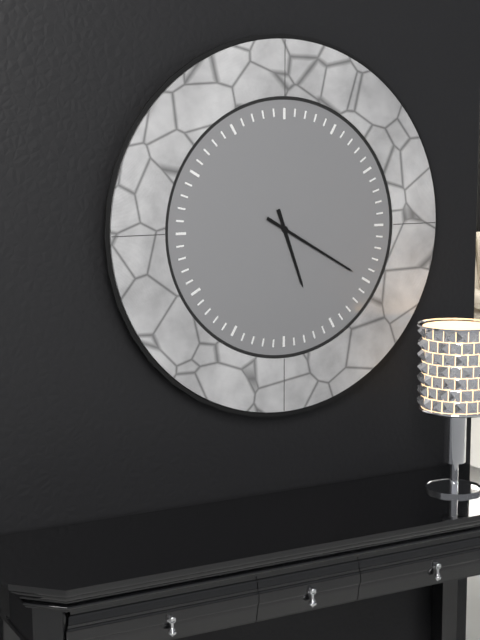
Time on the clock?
5:20
